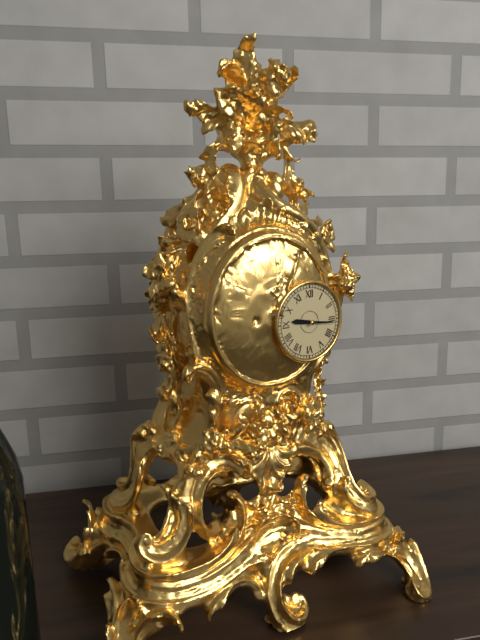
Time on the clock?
9:16
